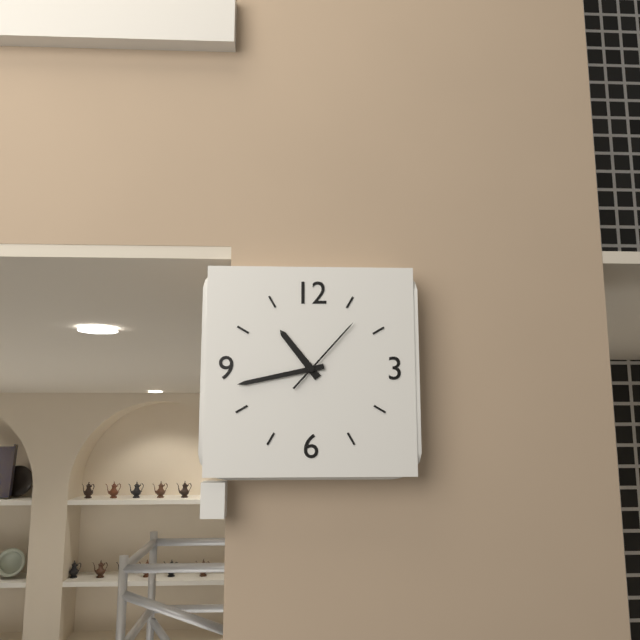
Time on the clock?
10:43:07
